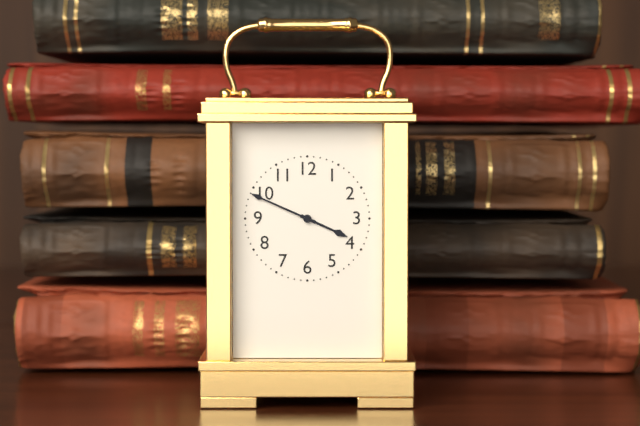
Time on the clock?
3:49
